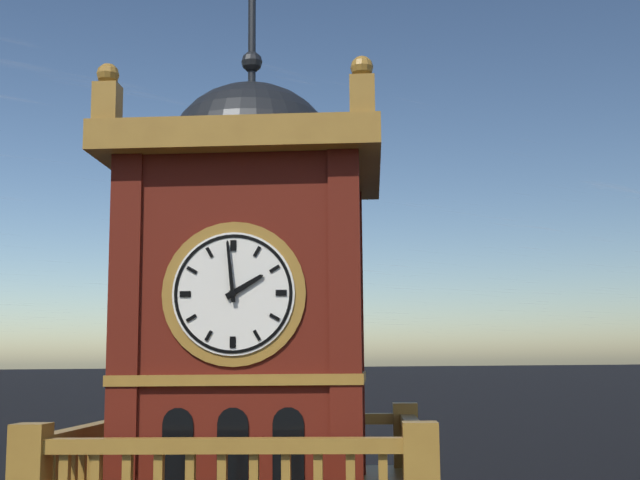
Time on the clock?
1:59
